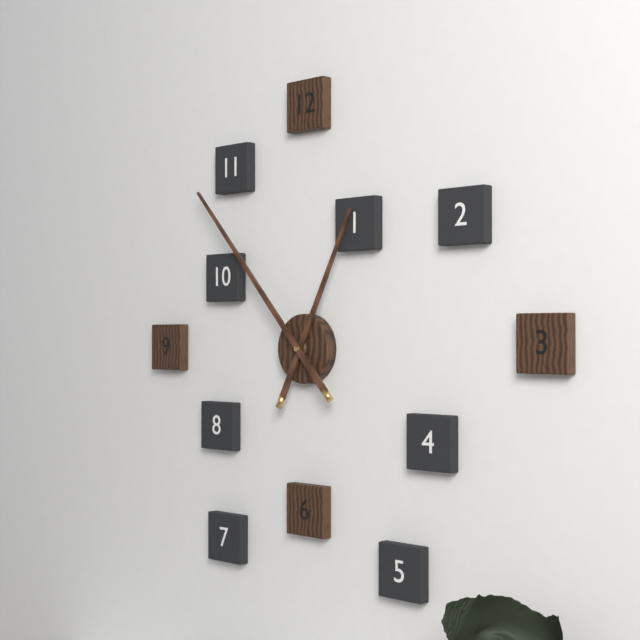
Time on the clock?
12:53
